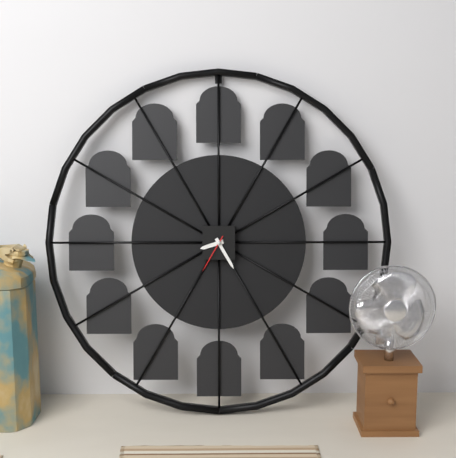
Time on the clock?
8:25
